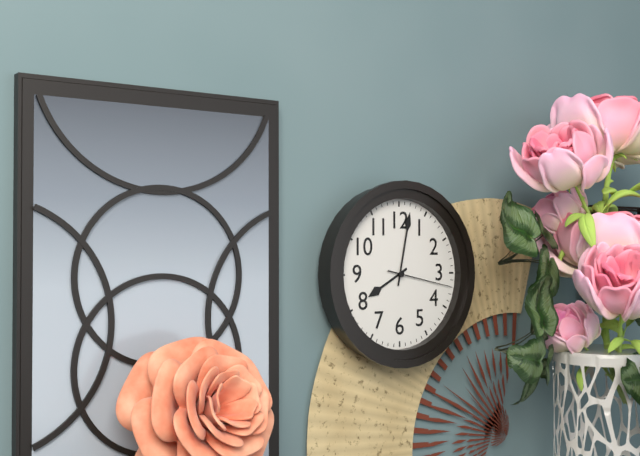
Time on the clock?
8:02:17
